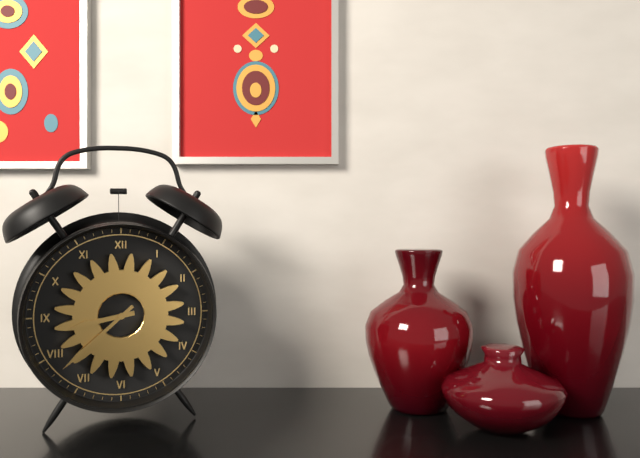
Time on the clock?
8:38
